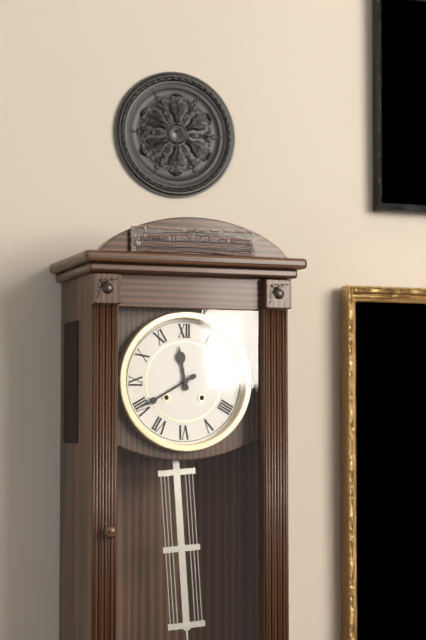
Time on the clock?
11:40
